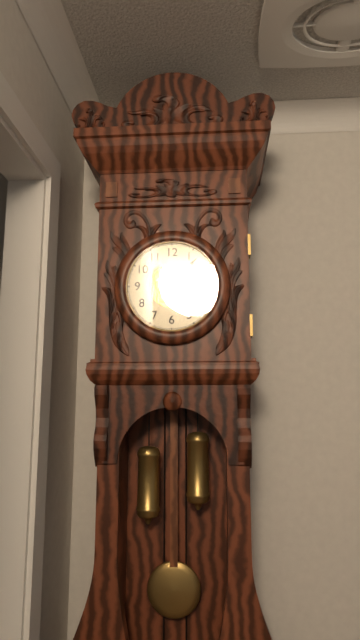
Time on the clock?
1:07
